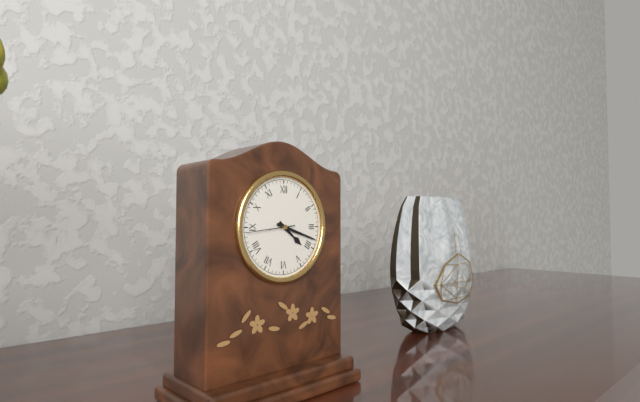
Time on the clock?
4:18
